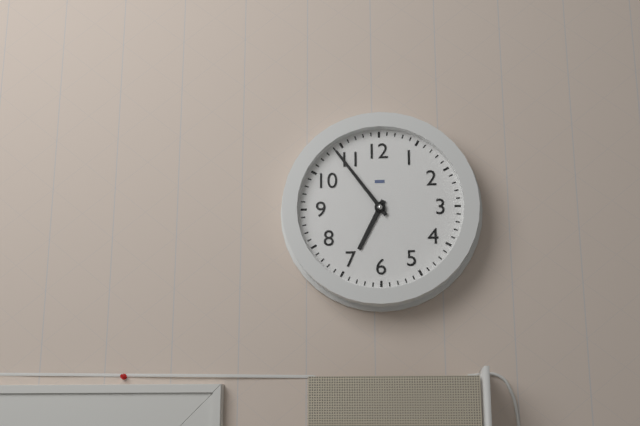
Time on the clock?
6:54
